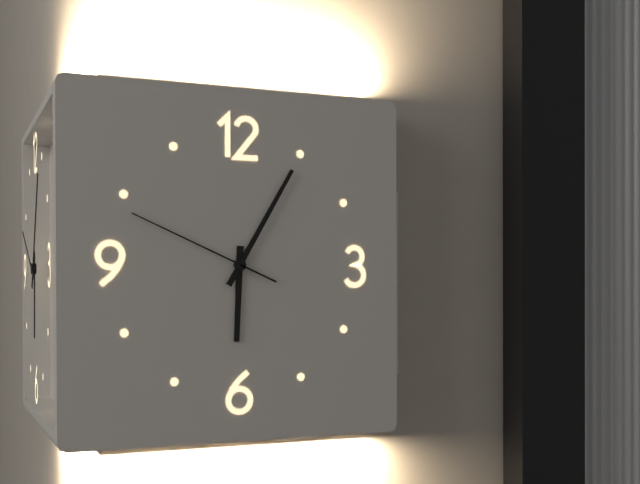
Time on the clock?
6:05:49
